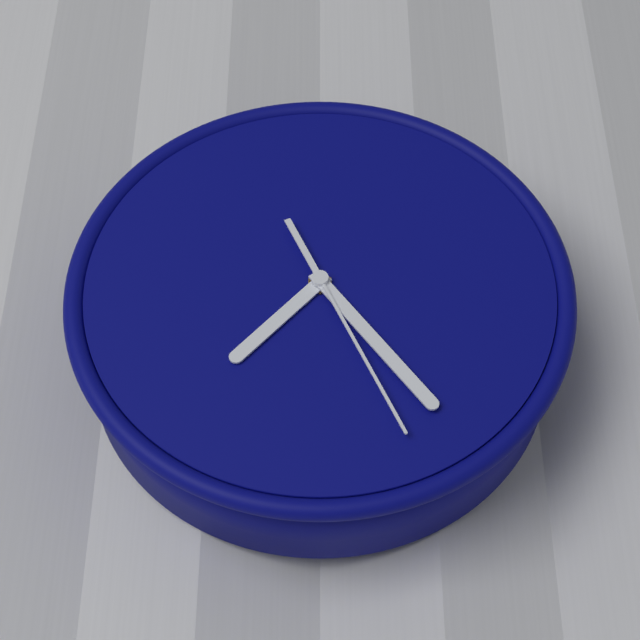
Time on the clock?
7:24:26
